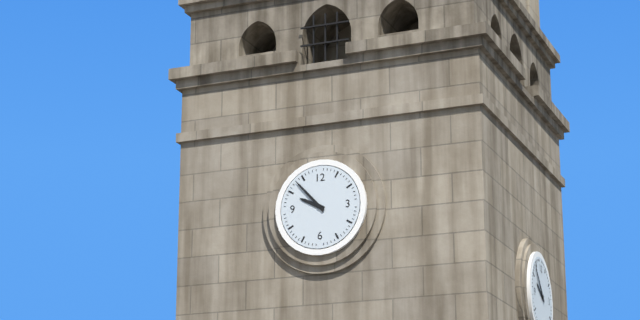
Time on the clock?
9:53
